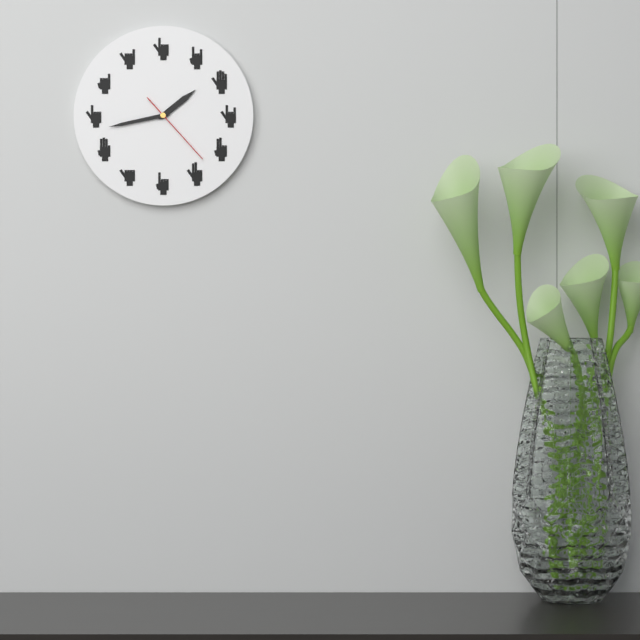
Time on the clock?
1:43:23
